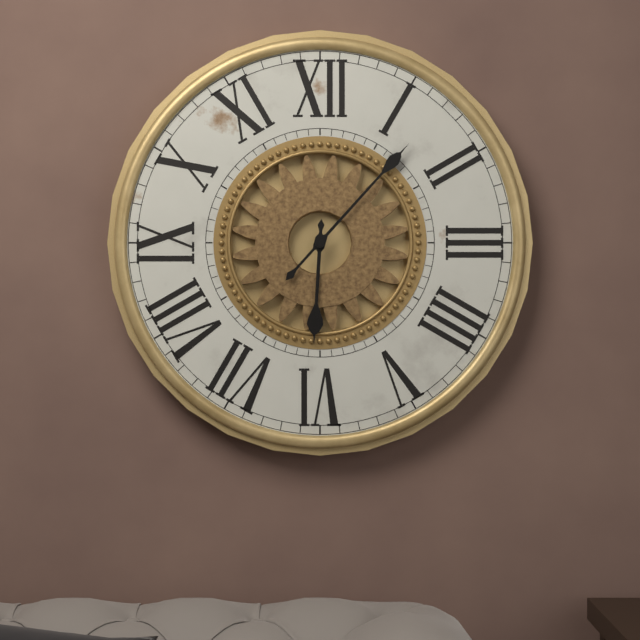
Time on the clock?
6:07
